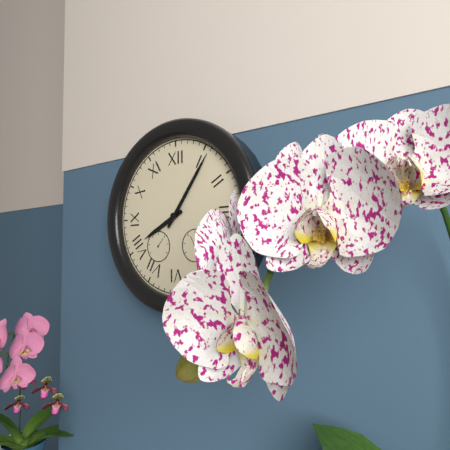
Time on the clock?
8:06
